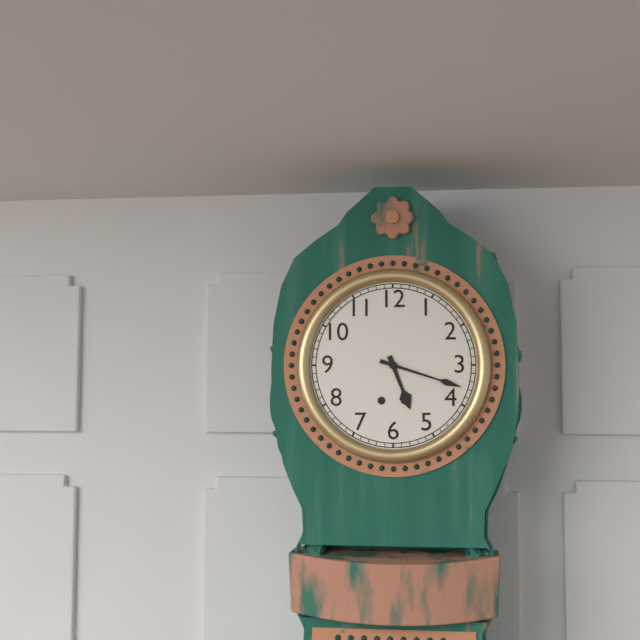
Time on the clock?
5:18
